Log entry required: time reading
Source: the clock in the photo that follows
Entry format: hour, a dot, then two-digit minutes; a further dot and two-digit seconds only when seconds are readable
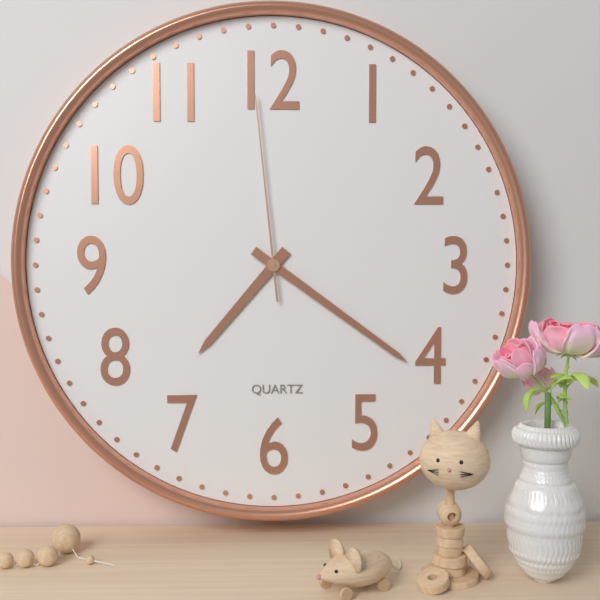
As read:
7.21.59
